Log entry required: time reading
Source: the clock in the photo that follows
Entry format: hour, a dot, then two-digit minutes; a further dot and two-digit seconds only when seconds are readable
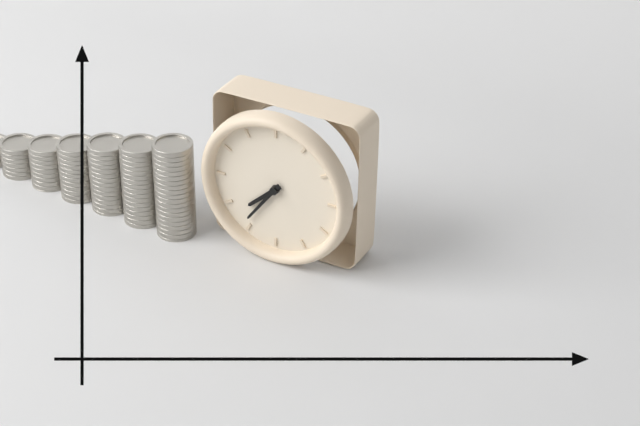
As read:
7.36
